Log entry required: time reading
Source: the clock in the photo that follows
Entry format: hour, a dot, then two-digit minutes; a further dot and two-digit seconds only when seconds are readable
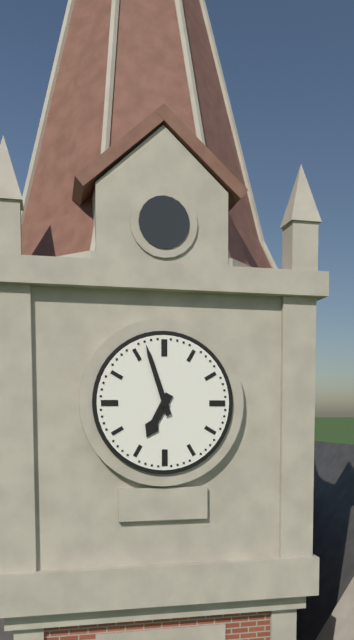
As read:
6.57
